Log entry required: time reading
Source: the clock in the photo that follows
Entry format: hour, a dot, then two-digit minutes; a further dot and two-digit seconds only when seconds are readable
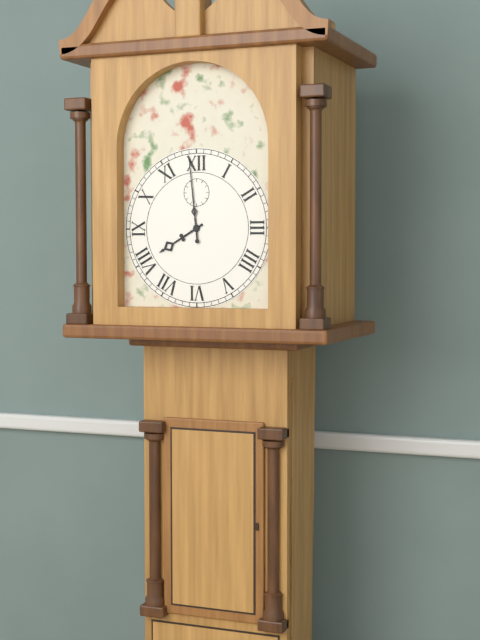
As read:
7.59
